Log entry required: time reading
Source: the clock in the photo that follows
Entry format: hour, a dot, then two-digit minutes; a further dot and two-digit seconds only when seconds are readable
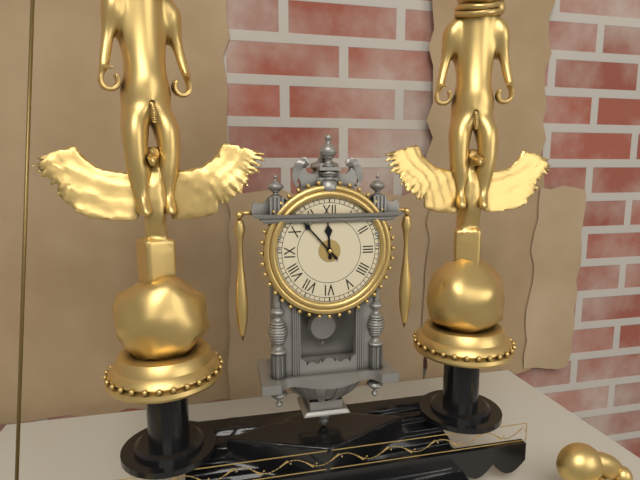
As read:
11.53
